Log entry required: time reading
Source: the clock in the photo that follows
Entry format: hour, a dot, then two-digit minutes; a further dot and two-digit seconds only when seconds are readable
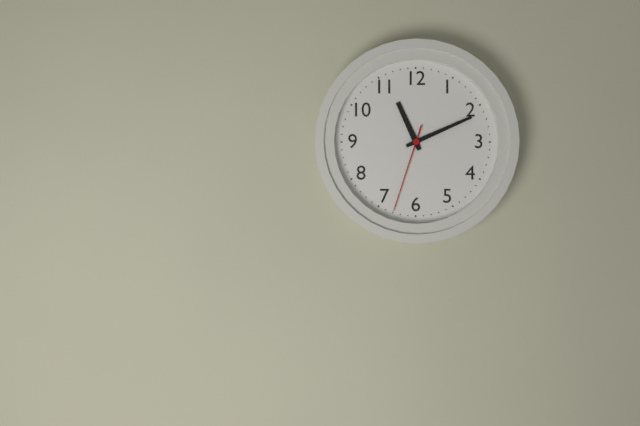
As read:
11.11.33
